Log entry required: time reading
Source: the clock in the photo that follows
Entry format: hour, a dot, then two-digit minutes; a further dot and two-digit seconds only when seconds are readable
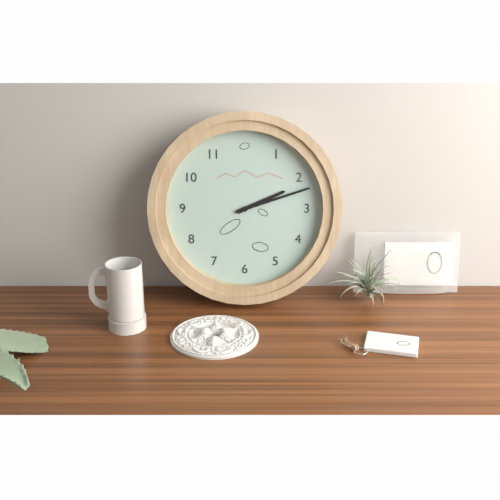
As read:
2.12
